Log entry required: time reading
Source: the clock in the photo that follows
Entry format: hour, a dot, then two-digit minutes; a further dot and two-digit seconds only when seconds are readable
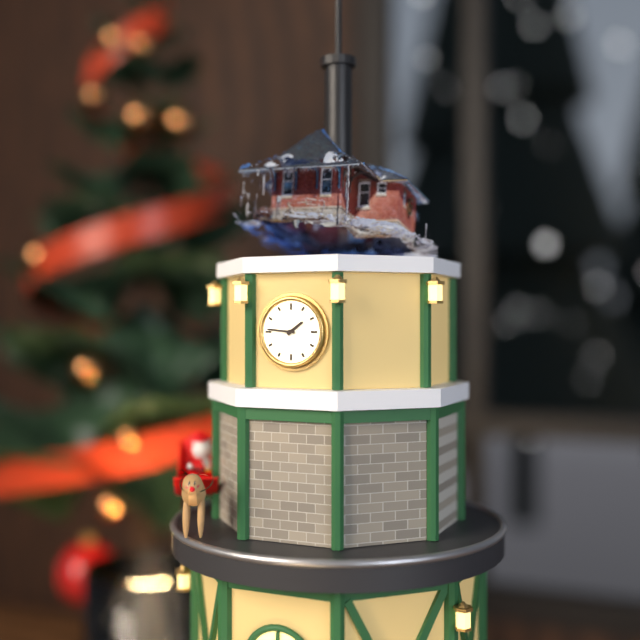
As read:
1.46
